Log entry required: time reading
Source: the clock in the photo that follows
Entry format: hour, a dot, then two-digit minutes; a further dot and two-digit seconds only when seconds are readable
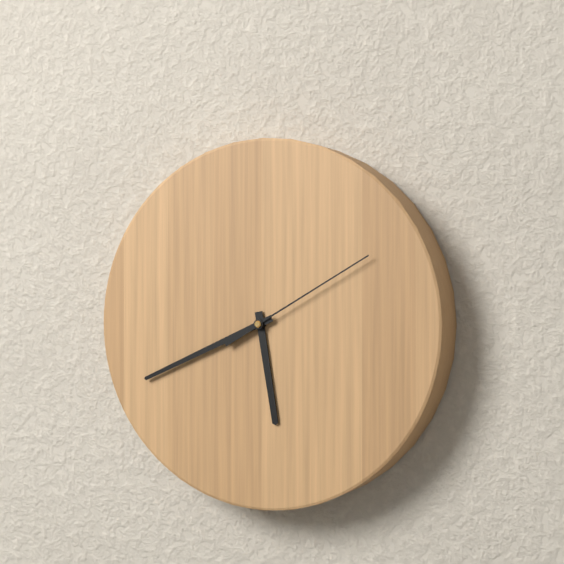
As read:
5.41.10
